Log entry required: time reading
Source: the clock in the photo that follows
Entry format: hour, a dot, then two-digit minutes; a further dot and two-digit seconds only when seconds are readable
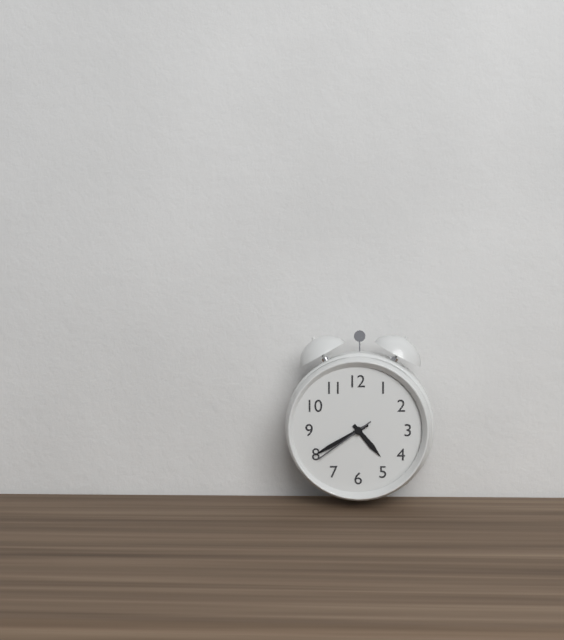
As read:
4.40.39
